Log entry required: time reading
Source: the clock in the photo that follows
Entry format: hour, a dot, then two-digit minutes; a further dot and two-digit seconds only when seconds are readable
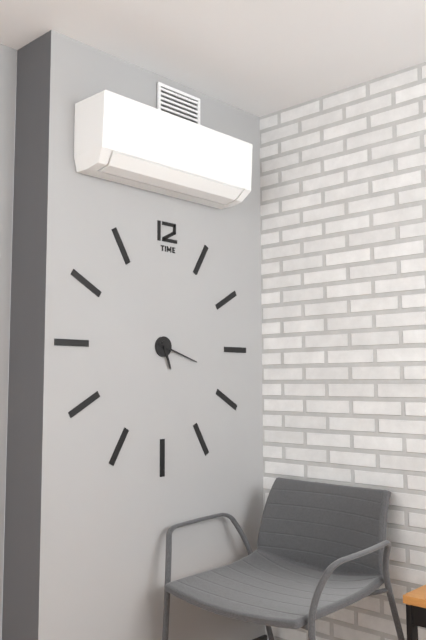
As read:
5.18
